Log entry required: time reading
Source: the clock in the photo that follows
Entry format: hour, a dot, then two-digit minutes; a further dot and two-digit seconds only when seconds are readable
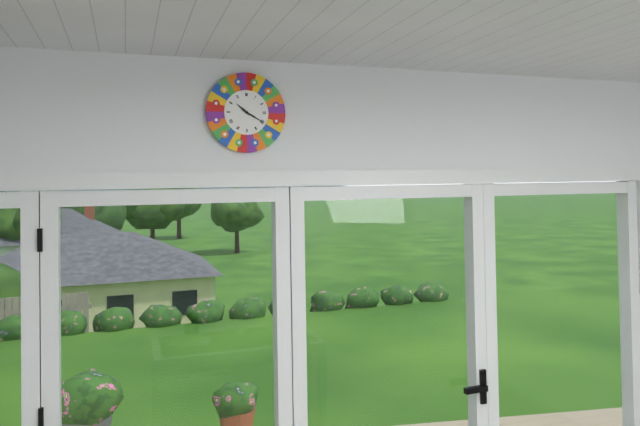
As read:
10.20
